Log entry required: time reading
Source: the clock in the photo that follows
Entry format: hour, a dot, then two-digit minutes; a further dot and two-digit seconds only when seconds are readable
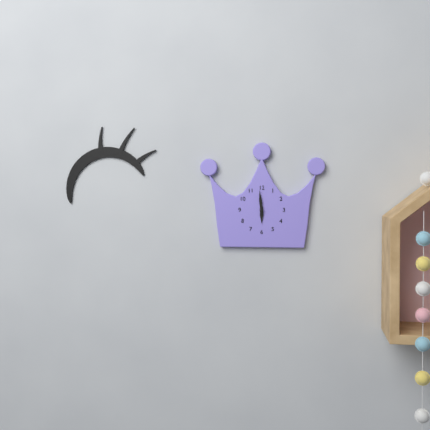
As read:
5.59
